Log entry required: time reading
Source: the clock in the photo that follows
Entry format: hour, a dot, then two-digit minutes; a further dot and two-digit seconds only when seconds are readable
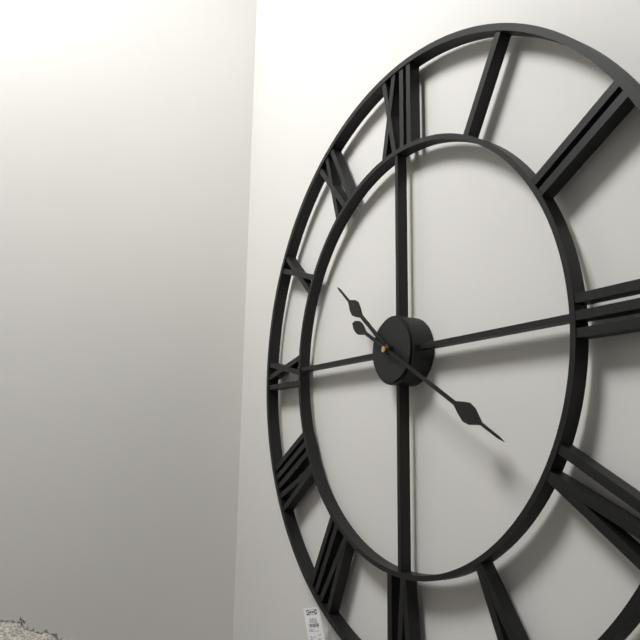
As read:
10.20
